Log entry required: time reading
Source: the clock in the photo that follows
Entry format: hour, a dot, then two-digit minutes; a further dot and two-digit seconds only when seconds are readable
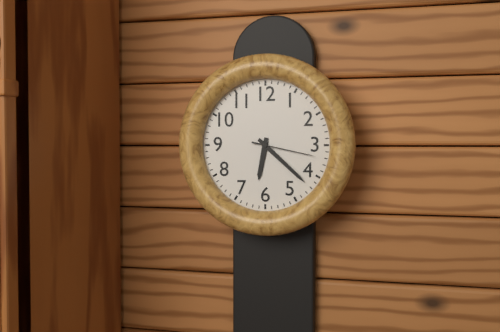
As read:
6.22.17
